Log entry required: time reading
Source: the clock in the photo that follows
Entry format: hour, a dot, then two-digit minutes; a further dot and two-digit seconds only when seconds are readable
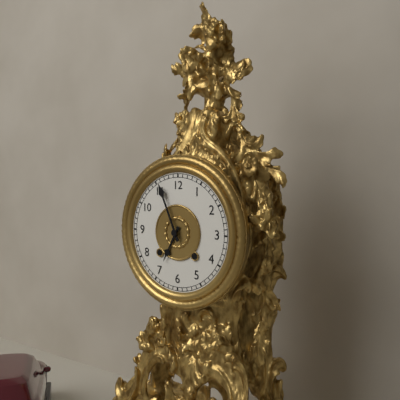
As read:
6.56
